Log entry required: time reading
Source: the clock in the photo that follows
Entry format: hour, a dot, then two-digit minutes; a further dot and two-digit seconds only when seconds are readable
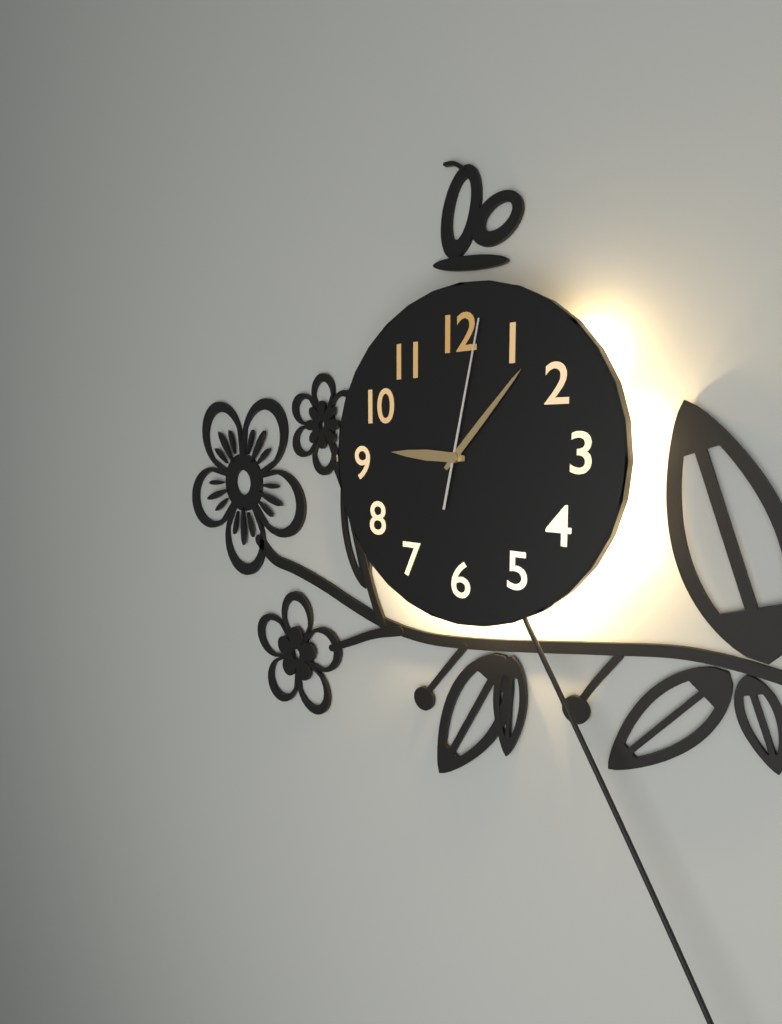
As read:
9.07.02
